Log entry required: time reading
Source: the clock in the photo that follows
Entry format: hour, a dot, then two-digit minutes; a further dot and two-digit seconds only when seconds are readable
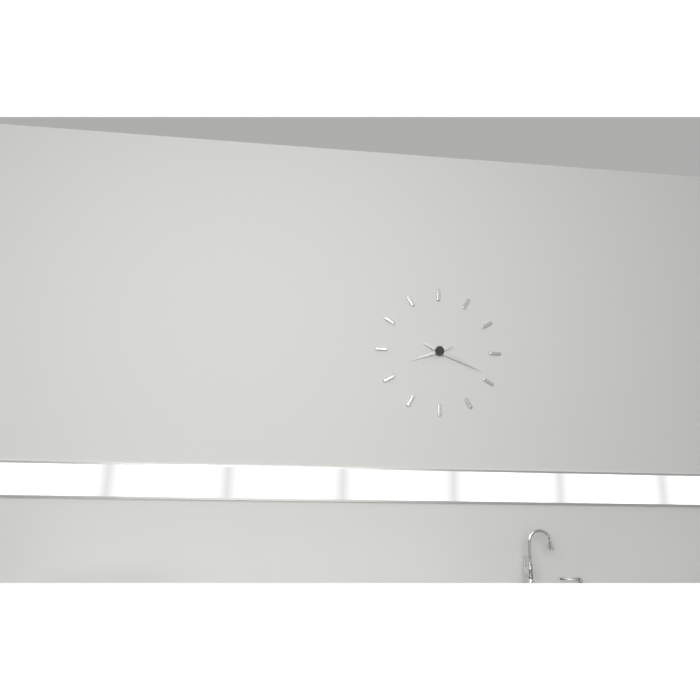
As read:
8.19
